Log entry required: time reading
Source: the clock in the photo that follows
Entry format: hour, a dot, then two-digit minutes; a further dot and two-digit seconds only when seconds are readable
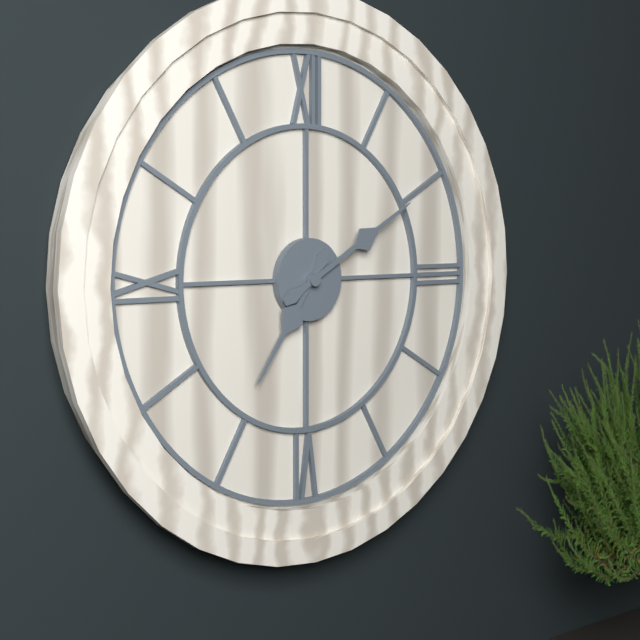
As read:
7.10
